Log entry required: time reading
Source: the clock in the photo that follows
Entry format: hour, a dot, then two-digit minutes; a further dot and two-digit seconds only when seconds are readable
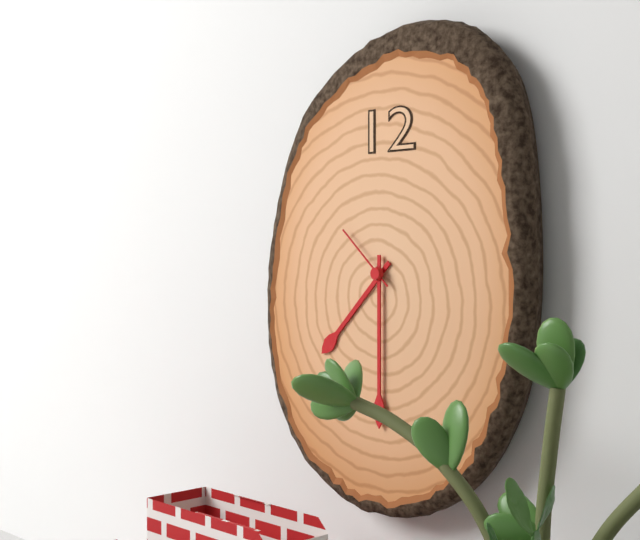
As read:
7.30.52
